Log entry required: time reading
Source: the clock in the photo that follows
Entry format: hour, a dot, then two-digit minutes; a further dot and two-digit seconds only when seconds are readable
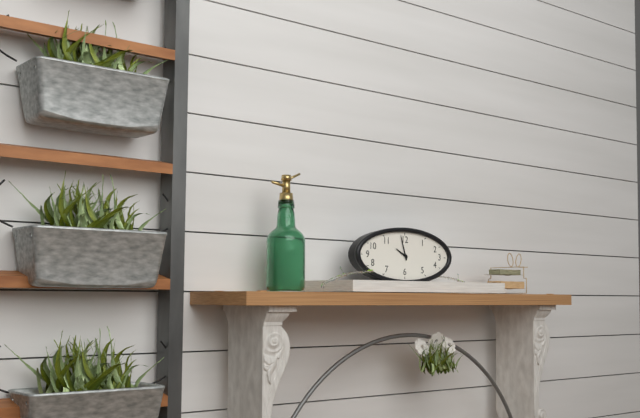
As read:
9.57
